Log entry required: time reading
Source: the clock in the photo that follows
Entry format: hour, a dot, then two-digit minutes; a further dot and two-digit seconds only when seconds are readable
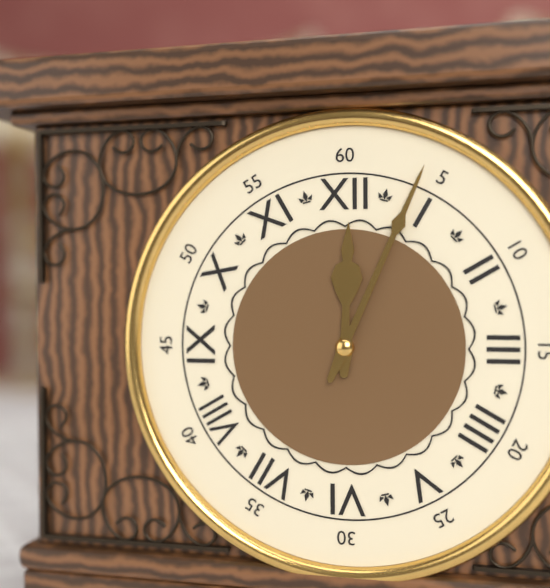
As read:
12.04
